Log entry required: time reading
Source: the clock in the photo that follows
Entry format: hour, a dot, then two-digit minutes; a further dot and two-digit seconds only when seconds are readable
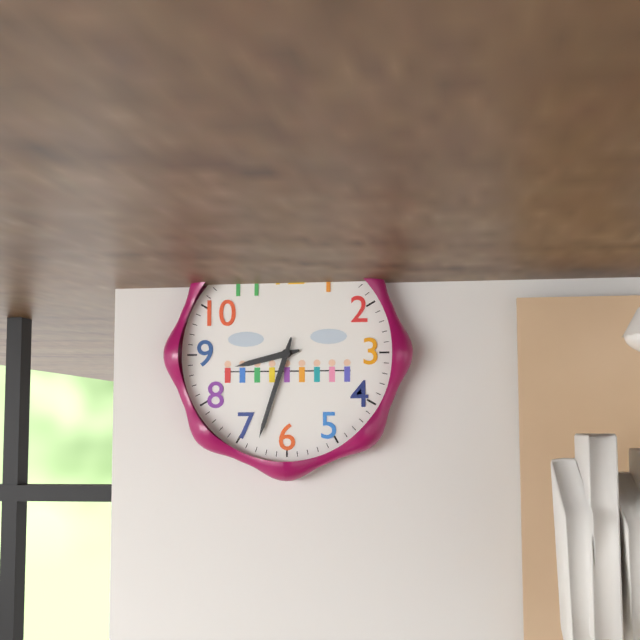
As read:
8.33
